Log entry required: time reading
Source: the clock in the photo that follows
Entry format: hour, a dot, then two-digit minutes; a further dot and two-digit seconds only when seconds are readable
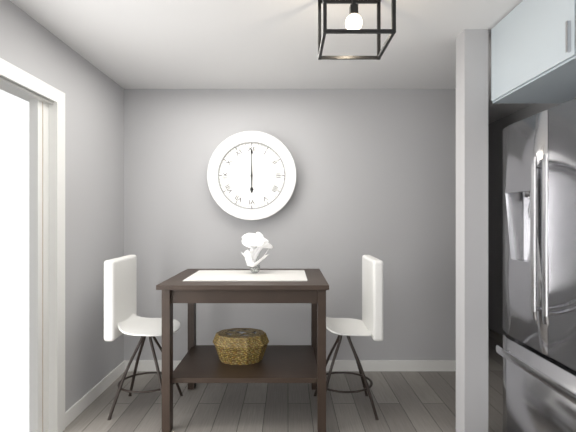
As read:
6.00
